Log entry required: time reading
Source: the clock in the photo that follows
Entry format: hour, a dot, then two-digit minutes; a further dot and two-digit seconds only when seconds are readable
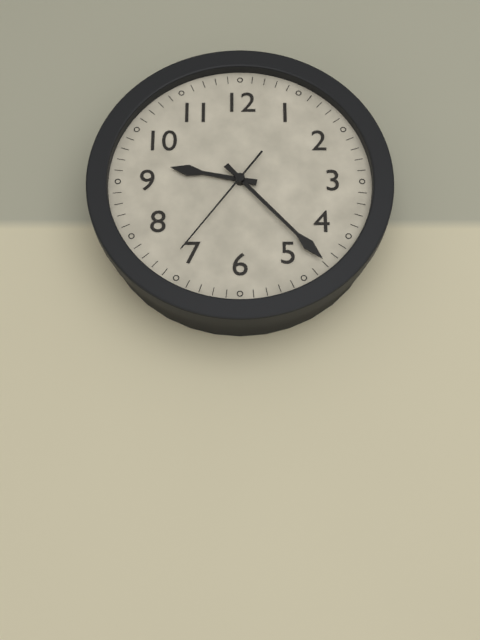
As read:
9.23.36
